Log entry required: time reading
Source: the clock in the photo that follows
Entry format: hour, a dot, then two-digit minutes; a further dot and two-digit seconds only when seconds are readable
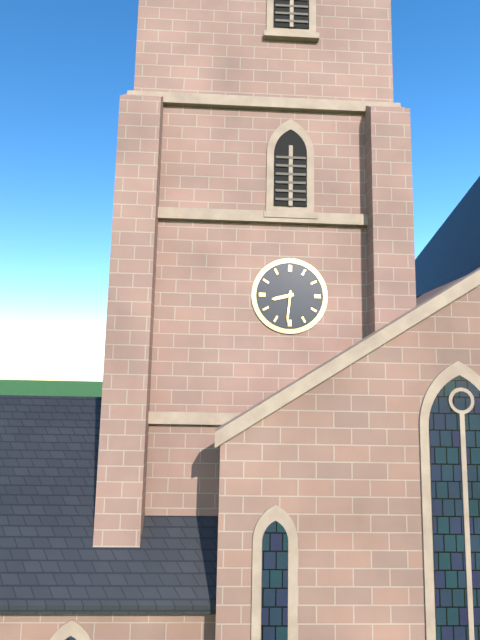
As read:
8.31
